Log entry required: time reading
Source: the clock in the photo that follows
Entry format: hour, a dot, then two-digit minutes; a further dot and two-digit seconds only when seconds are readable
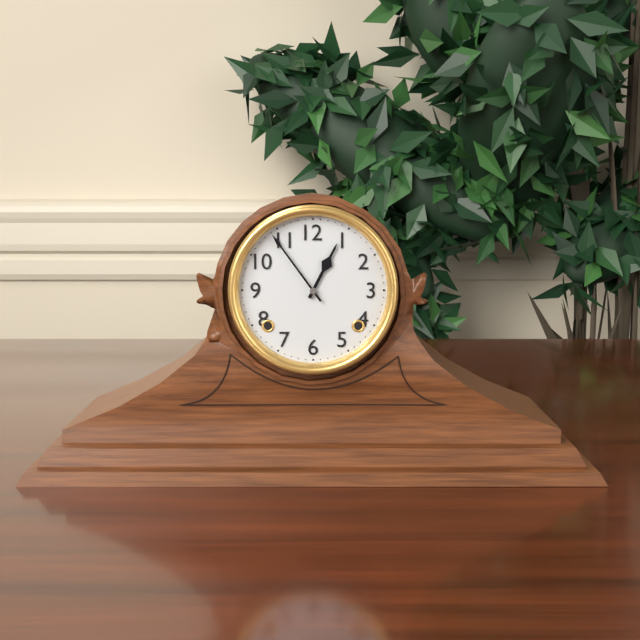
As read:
12.54
